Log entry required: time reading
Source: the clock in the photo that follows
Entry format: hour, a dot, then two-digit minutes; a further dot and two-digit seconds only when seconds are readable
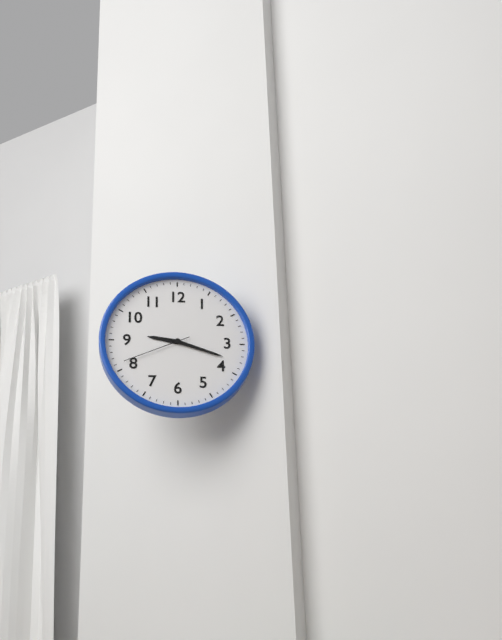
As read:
9.18.41
